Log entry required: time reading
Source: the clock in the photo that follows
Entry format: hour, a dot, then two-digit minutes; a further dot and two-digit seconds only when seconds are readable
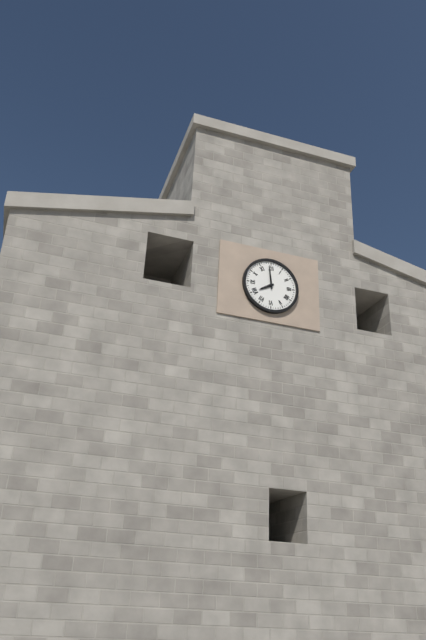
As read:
7.59
